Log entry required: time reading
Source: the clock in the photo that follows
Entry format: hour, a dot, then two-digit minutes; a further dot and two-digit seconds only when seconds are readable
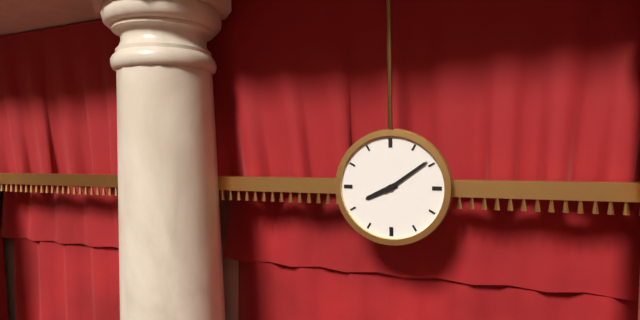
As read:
8.09
